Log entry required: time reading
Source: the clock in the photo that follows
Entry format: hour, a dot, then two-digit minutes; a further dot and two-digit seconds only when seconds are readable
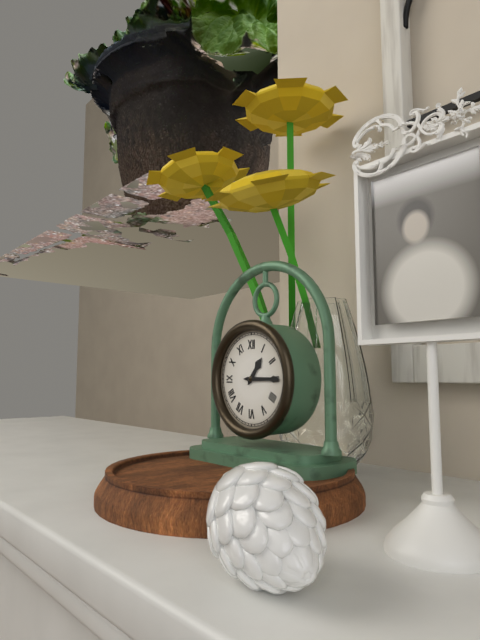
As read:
1.15
